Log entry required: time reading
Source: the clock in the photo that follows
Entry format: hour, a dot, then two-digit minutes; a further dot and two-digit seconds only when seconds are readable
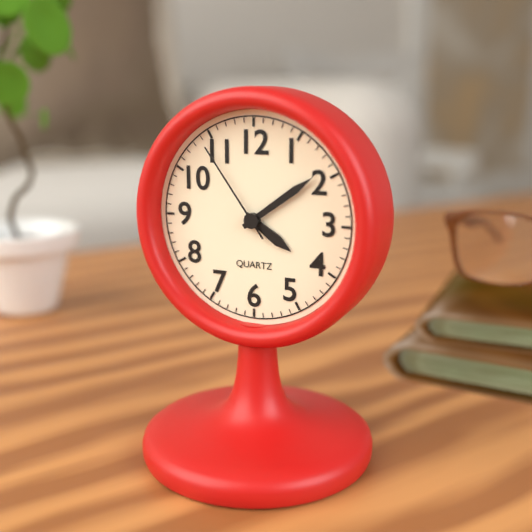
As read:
4.09.54
